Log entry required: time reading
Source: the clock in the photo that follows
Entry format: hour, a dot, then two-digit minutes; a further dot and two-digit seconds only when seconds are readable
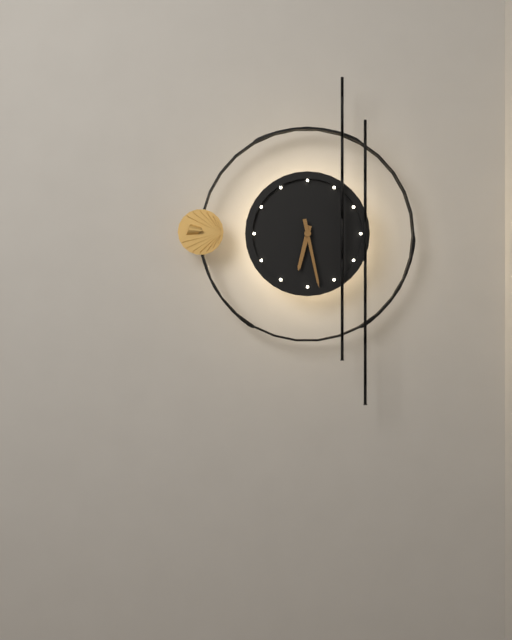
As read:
6.28
